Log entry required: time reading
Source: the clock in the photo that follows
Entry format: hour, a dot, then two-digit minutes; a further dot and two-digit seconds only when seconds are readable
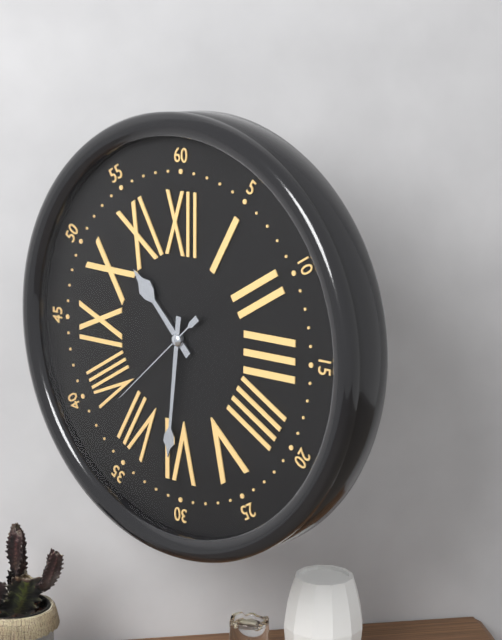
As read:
10.31.38
